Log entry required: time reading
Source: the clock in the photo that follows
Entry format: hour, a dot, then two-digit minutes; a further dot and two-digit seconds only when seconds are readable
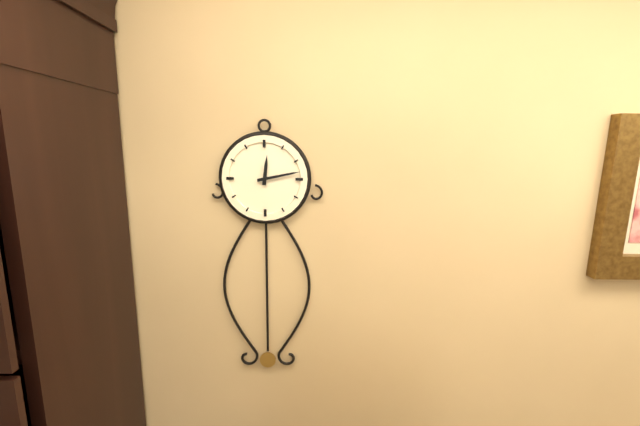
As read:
12.13
